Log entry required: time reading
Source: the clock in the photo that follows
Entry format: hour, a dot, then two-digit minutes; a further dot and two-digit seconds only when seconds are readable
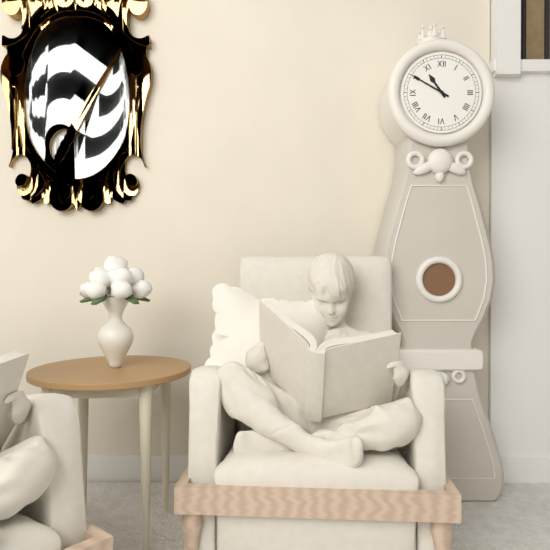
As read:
10.50
